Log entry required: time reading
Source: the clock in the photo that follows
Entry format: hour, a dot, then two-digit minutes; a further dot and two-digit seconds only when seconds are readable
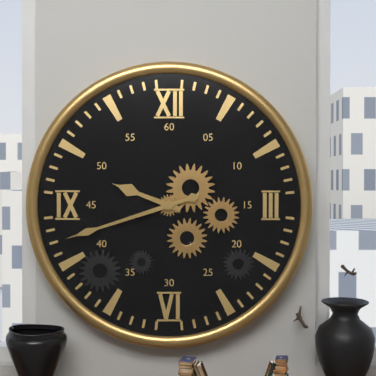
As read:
9.42
